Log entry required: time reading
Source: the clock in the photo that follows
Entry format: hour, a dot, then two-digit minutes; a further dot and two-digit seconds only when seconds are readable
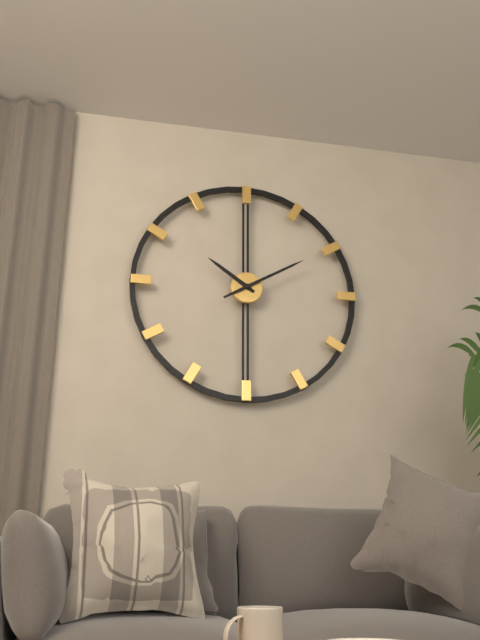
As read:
10.10
